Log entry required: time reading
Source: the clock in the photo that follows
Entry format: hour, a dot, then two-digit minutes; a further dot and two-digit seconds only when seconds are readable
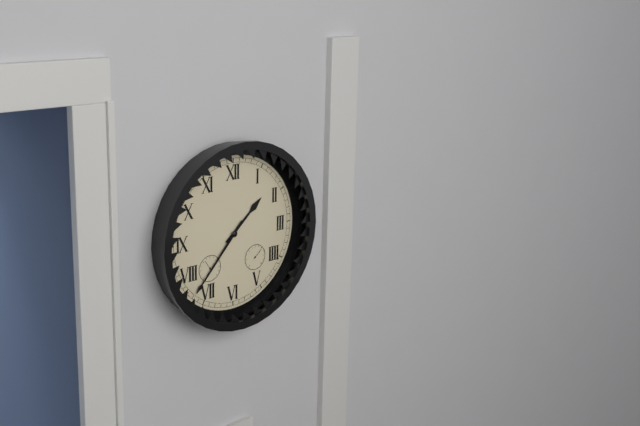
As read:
1.37
